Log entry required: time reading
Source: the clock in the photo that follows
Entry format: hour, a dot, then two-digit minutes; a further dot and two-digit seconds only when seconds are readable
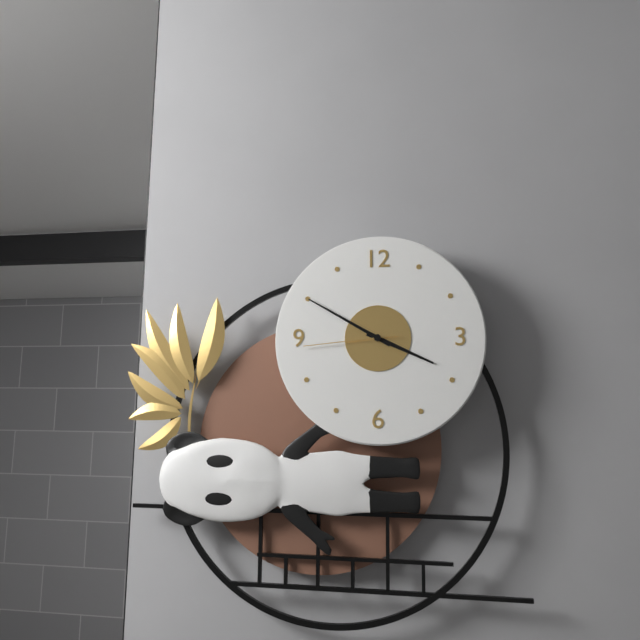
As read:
3.50.44
